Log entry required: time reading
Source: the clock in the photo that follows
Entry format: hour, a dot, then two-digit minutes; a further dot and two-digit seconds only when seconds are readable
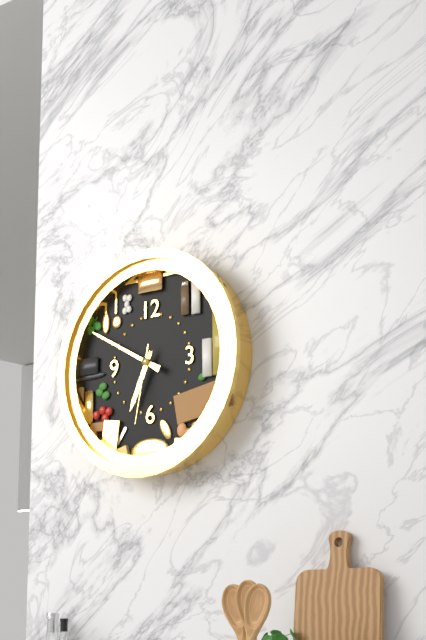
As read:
6.50.32
